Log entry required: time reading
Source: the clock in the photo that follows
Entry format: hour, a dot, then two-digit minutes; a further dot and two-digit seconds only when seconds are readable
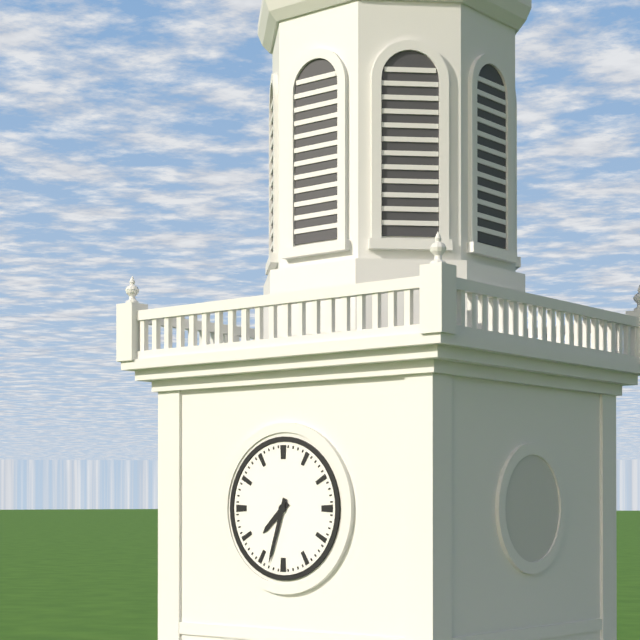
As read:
7.33
